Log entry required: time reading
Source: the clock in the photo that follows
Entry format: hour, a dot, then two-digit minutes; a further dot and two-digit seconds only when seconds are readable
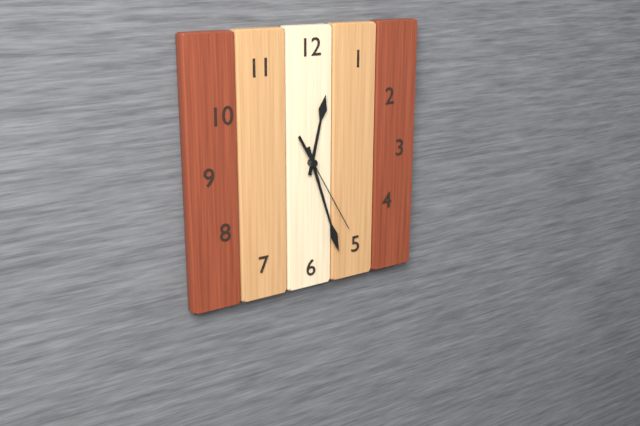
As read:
12.27.25
